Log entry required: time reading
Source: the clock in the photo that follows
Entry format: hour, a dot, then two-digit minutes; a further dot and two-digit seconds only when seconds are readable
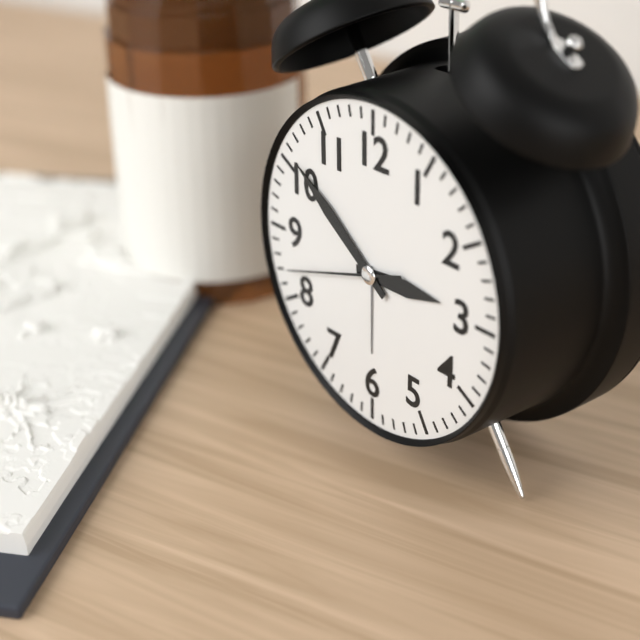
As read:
2.51.42
